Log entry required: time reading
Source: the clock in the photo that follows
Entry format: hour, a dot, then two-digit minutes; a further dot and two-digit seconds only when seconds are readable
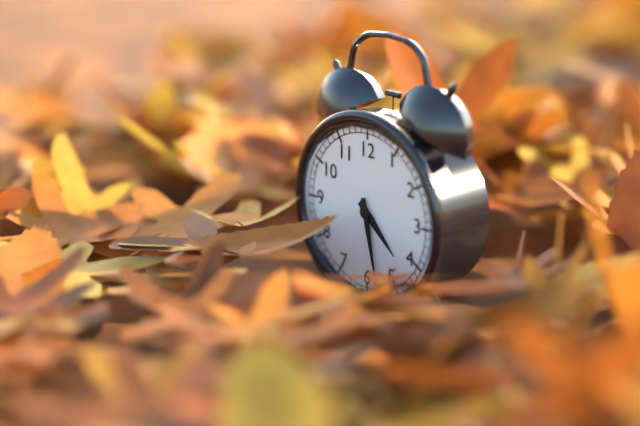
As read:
4.28
